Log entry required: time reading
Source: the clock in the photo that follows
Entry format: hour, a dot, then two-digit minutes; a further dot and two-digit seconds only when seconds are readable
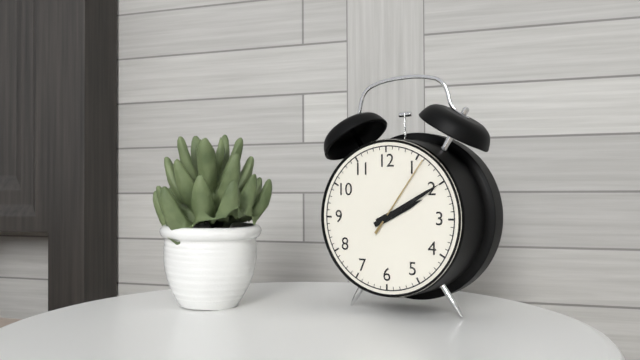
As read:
2.10.06
